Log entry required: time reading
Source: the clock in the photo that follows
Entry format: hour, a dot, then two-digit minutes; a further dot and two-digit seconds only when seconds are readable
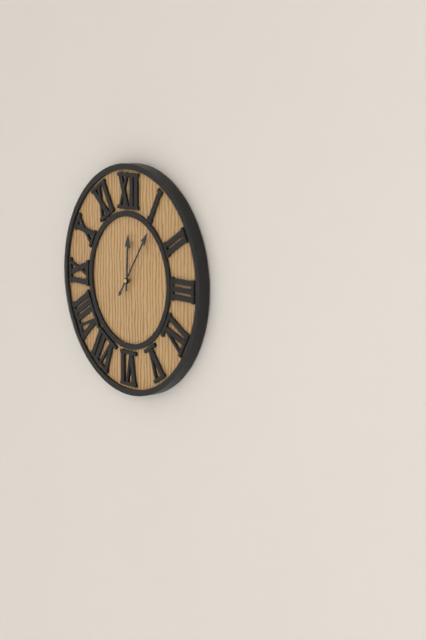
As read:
12.06
